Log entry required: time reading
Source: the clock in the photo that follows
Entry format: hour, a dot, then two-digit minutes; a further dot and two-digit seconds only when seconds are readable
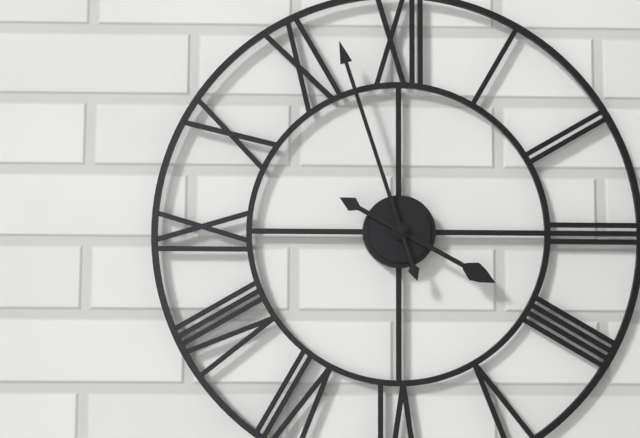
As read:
3.57
